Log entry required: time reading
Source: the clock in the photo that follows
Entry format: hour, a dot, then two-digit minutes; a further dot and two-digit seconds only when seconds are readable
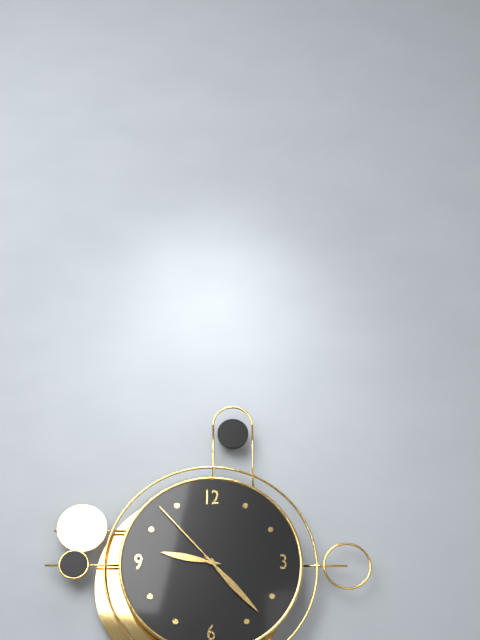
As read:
9.23.53
